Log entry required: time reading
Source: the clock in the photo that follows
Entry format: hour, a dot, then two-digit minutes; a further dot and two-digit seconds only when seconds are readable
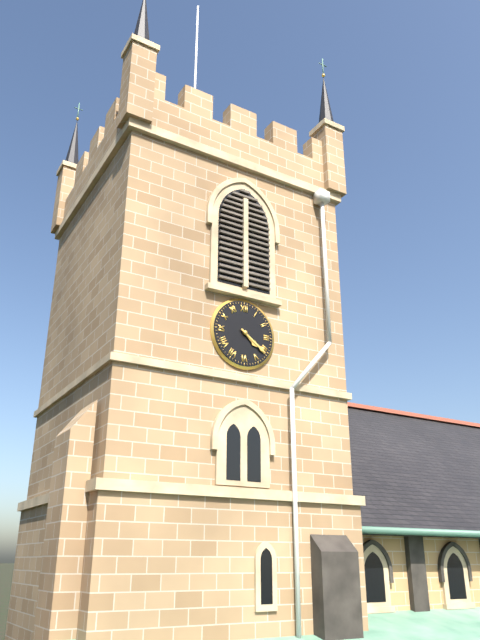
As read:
4.21
